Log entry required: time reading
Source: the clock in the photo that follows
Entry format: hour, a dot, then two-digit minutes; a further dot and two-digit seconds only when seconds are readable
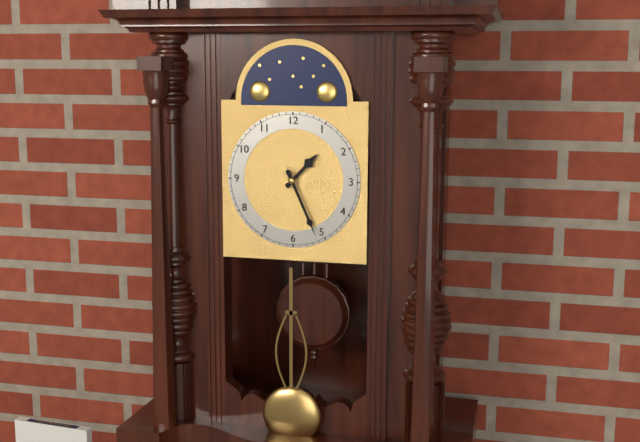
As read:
1.26
